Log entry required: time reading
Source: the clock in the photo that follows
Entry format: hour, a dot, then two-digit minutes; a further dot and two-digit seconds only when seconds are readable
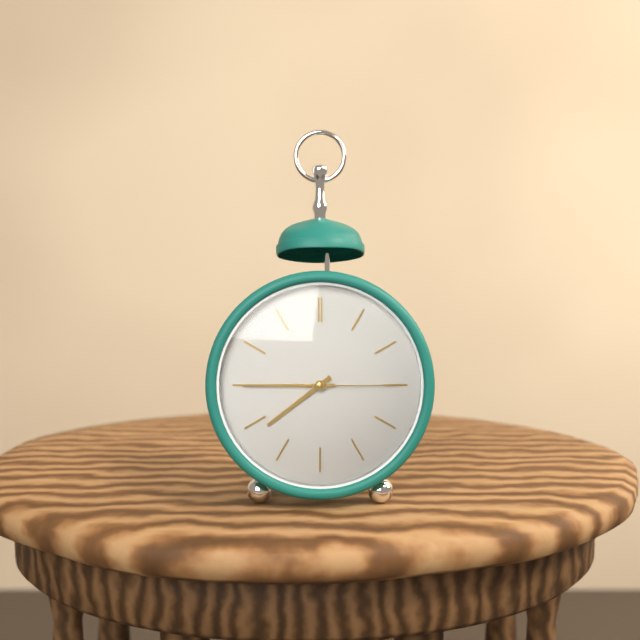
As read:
7.45.15
